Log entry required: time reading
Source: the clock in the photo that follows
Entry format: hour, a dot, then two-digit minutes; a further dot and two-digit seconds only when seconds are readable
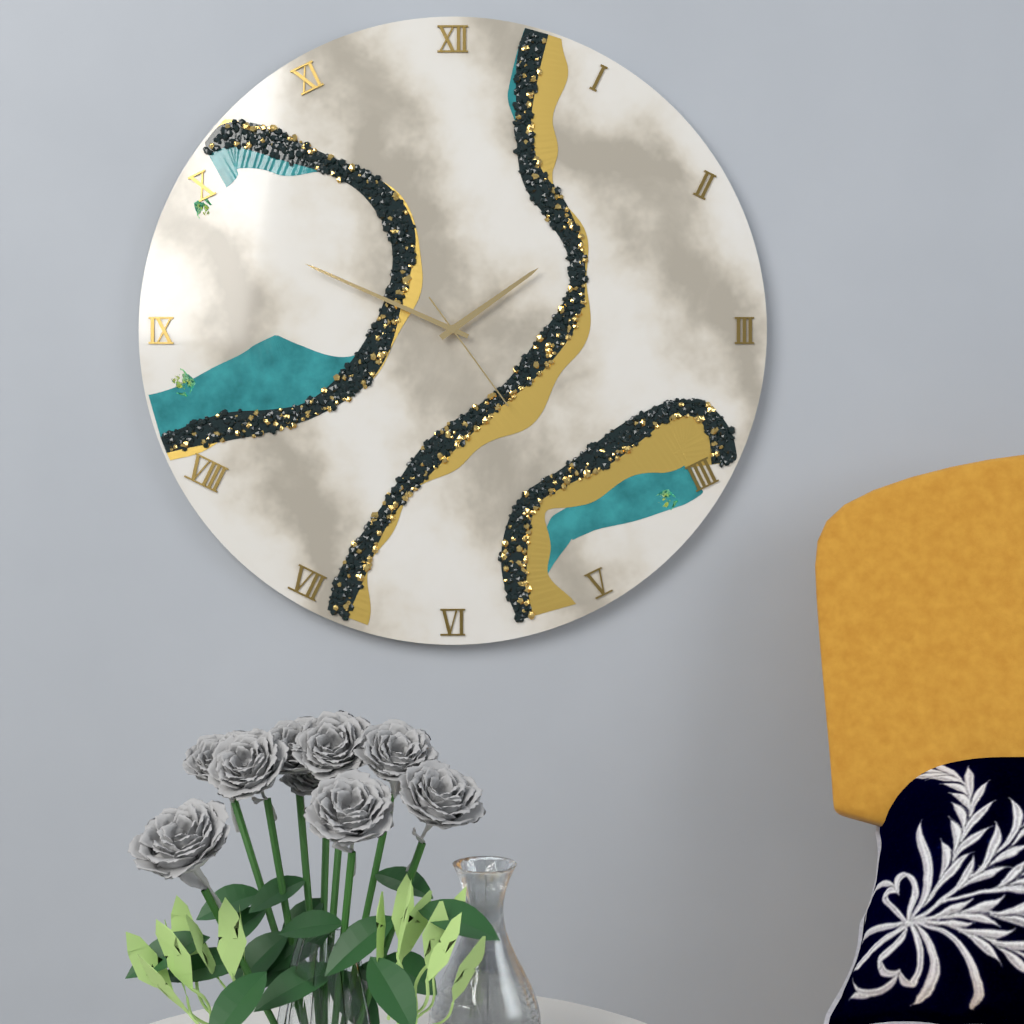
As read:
1.49.24
